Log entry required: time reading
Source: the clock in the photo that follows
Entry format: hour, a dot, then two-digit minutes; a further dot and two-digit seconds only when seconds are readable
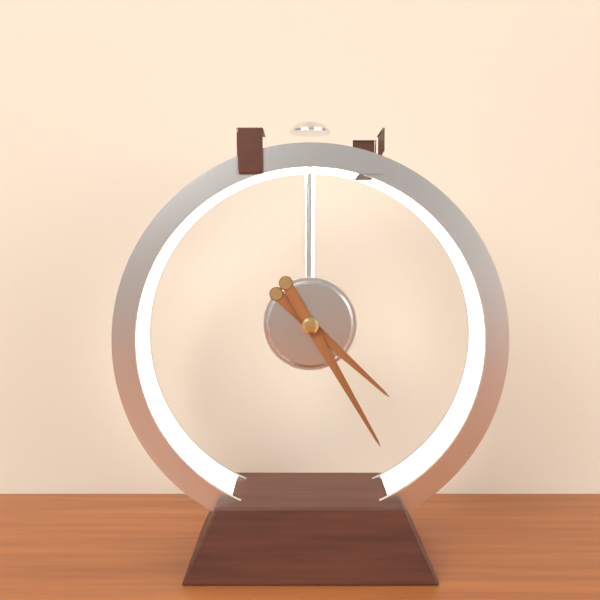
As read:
4.25
